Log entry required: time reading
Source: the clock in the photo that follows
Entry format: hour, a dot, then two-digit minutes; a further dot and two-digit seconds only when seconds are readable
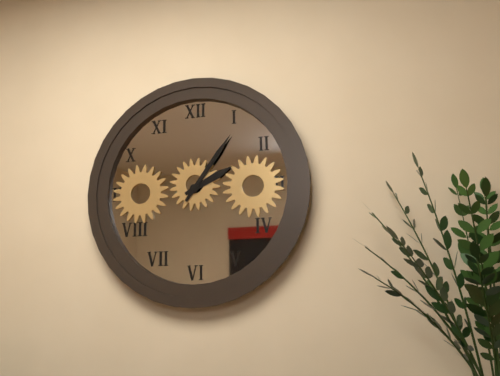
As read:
2.06
